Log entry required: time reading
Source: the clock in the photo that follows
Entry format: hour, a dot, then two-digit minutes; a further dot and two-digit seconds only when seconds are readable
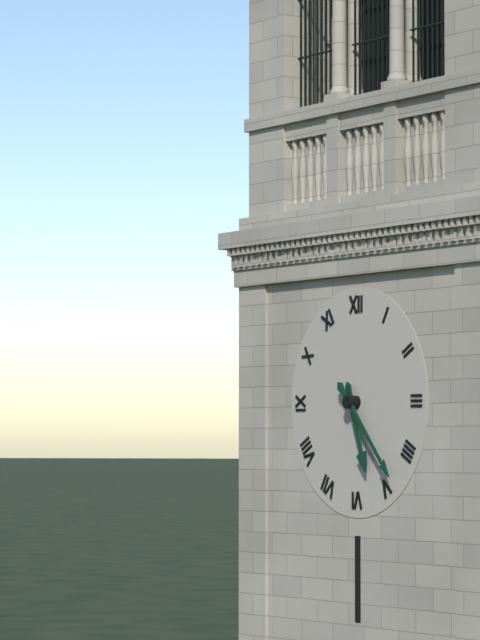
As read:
5.23
